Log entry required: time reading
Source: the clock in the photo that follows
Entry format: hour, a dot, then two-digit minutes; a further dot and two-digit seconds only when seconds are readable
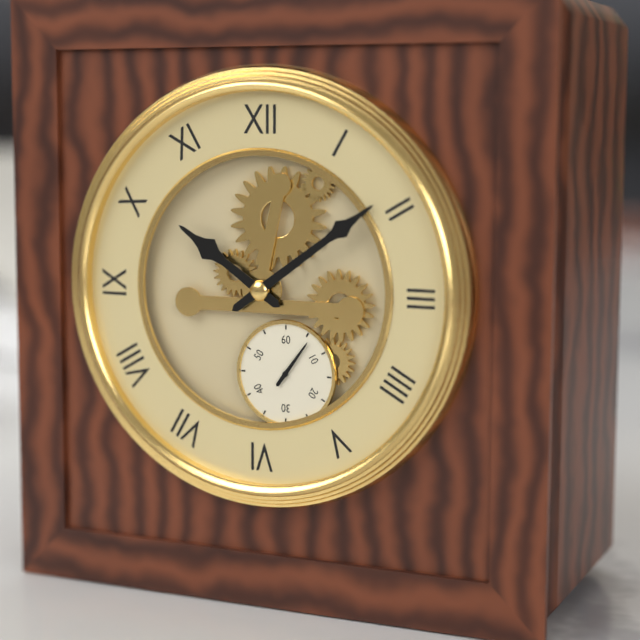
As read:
10.09
